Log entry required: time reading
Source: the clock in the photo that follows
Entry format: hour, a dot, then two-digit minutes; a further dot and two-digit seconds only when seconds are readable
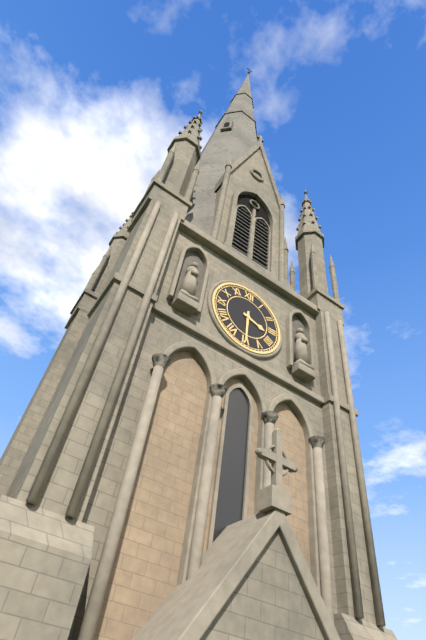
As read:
3.30
